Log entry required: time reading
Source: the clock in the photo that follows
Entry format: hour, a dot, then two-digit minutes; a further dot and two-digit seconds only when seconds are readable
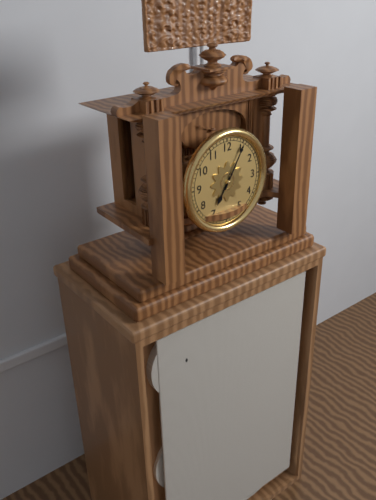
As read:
7.05
